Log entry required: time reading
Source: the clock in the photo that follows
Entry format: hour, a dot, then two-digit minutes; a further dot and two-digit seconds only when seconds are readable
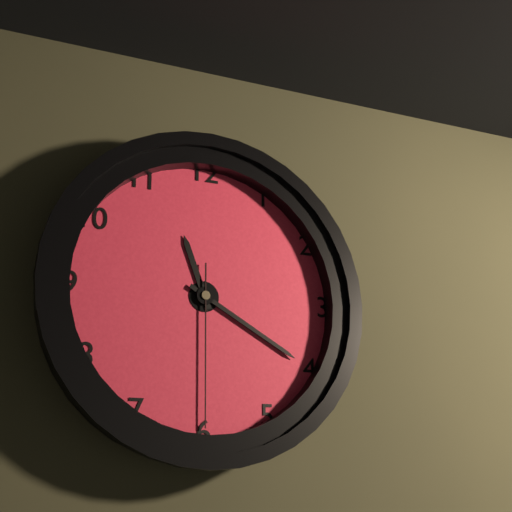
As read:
11.20.30
